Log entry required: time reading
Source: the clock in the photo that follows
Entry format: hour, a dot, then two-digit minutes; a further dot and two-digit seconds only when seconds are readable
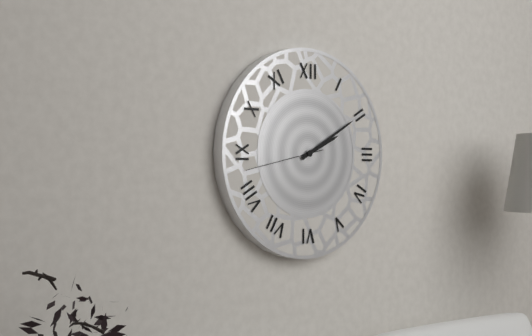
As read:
2.10.43
